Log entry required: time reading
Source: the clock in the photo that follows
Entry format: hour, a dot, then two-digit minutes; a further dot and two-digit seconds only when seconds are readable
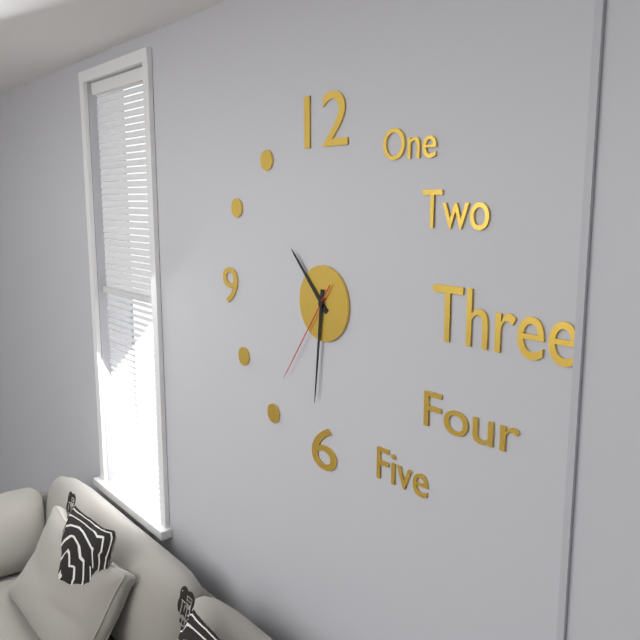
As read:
10.31.36
